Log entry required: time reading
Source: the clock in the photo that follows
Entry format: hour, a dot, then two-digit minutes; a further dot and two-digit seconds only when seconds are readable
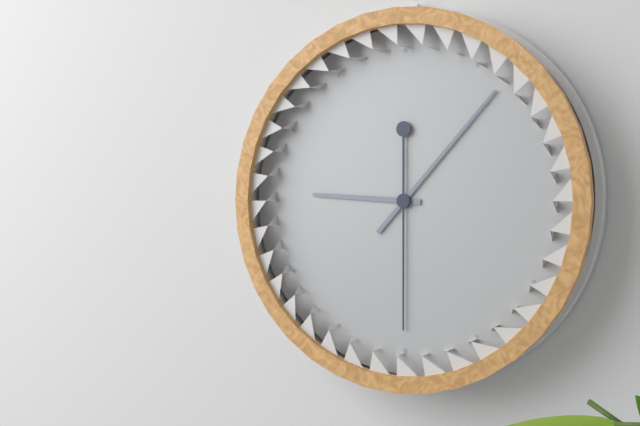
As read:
9.07.30
